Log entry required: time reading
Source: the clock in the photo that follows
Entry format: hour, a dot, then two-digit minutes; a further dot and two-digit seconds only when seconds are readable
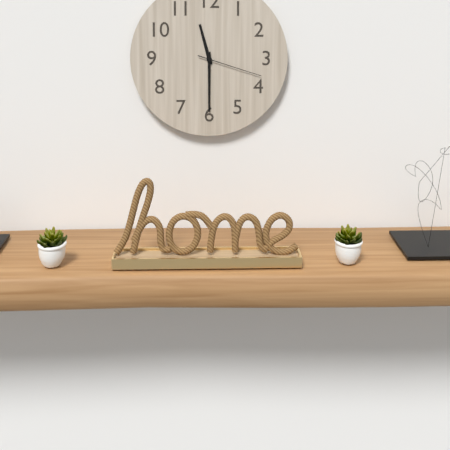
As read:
11.30.18
